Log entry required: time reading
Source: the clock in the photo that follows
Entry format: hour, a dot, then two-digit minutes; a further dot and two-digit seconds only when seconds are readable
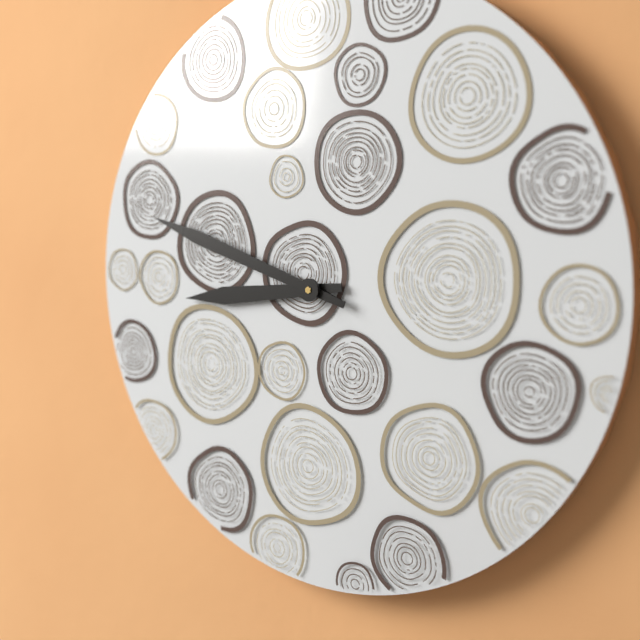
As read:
8.48
